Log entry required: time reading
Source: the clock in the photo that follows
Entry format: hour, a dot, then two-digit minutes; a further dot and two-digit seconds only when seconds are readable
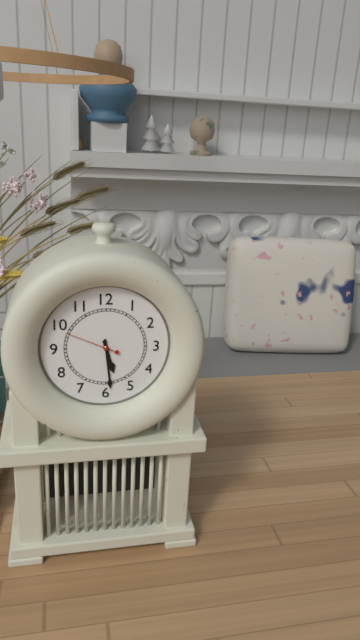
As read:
5.29.49
